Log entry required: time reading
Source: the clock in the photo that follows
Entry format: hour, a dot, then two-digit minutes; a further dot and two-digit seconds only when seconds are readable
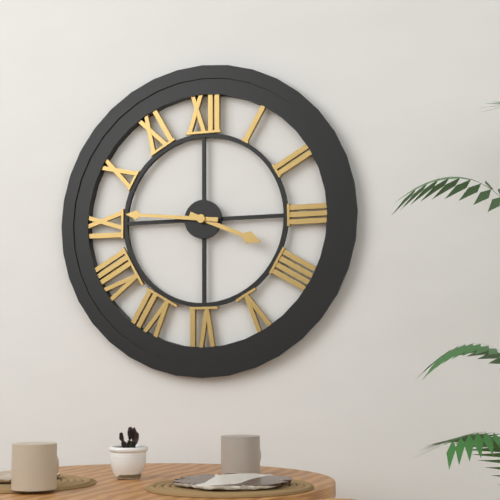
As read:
3.46
